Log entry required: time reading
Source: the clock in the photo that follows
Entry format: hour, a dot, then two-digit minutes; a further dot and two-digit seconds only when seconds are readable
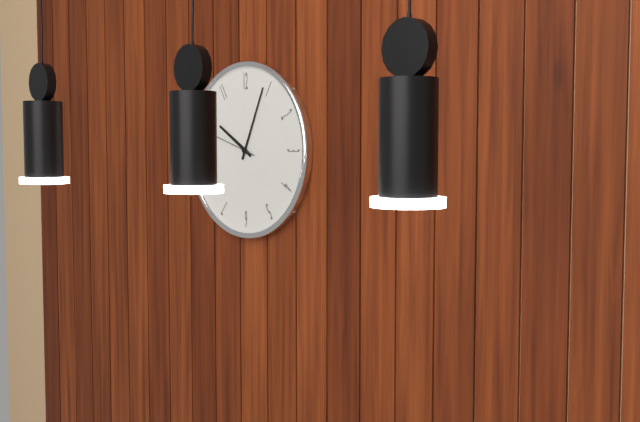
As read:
10.04
